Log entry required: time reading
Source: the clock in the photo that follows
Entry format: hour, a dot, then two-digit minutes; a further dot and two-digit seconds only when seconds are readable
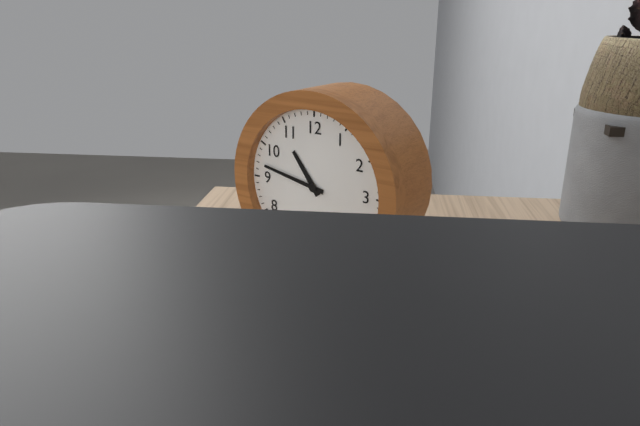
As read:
10.47
